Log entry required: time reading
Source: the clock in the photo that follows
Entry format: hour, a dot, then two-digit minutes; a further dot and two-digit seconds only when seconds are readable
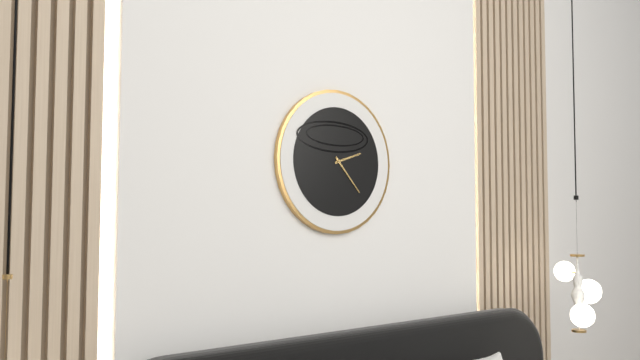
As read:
2.23
